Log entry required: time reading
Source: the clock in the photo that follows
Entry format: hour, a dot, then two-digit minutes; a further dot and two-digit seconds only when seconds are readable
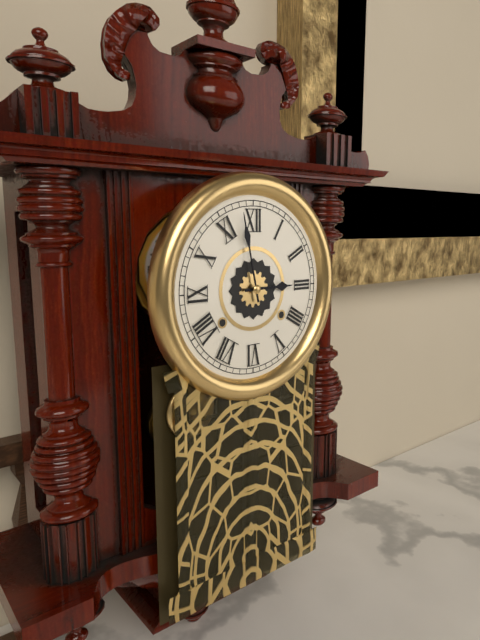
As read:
2.58
